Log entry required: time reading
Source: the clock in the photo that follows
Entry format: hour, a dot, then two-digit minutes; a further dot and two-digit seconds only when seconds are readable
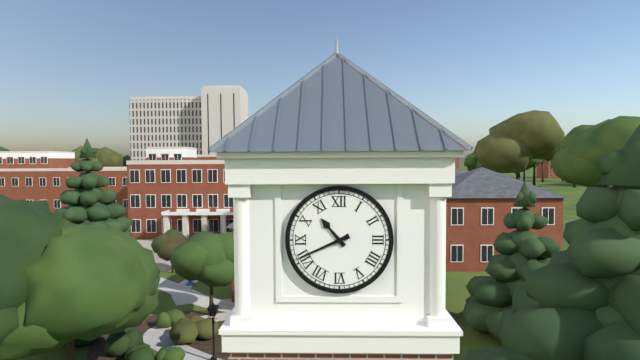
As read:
10.41
